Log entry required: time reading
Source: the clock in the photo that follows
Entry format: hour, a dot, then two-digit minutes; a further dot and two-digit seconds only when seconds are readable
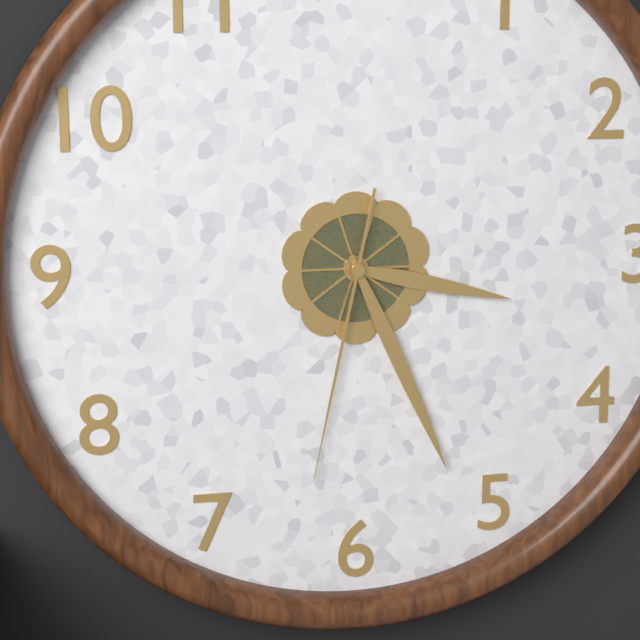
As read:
3.26.32
